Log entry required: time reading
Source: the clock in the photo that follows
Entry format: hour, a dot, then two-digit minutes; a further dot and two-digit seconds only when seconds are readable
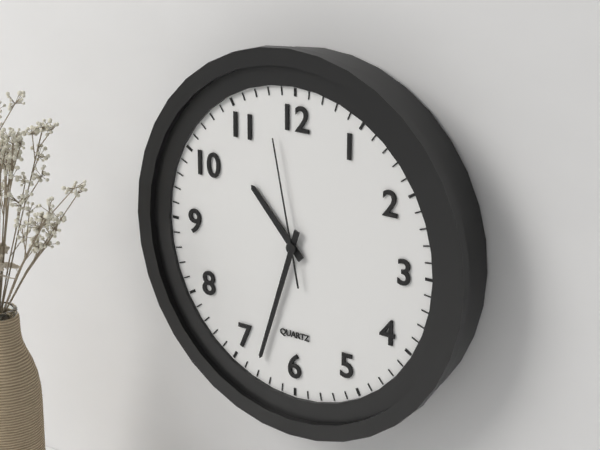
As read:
10.33.58
